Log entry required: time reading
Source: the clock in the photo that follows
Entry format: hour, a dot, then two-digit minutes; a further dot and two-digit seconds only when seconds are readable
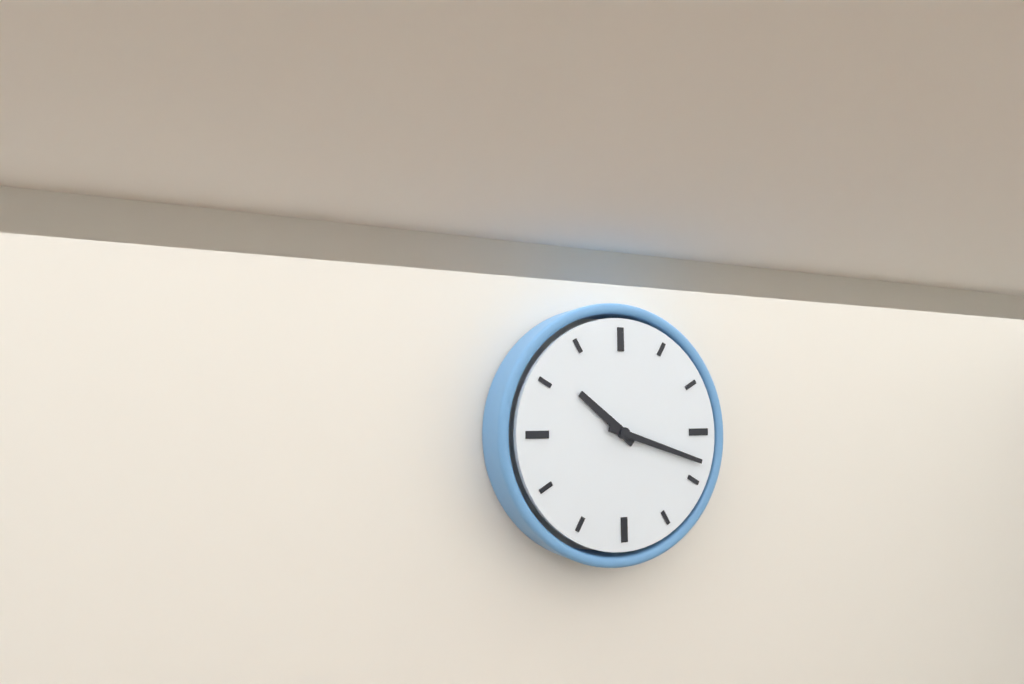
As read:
10.18
